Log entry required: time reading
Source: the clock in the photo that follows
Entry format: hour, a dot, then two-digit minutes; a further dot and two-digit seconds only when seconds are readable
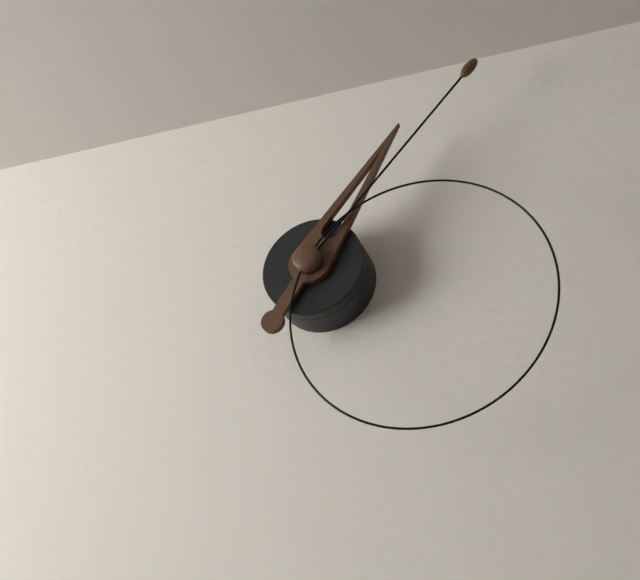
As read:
1.07.20
